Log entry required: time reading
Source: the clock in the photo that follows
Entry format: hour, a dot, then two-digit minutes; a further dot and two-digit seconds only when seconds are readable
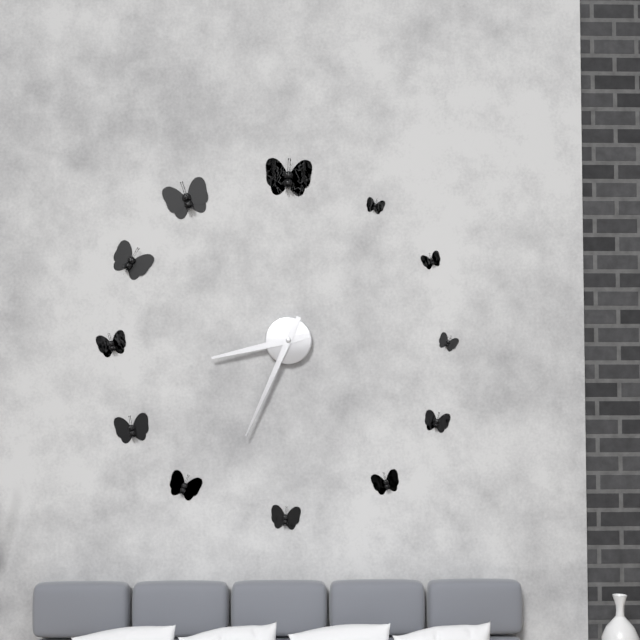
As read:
8.34
